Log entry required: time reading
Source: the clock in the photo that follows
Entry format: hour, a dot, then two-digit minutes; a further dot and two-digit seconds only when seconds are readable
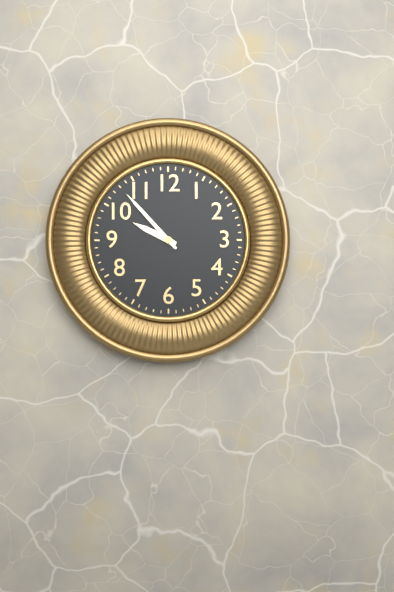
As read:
9.53
